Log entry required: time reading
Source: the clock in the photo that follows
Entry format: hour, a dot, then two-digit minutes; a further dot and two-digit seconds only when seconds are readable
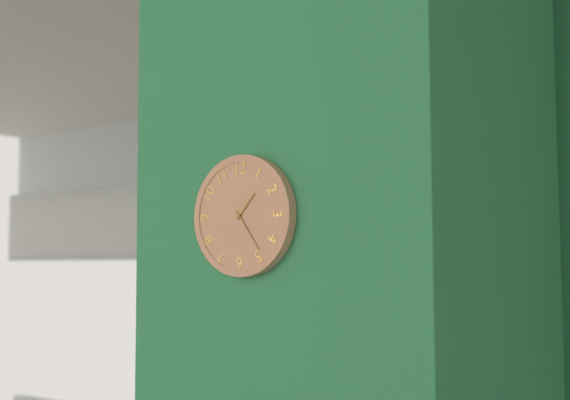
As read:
1.24
